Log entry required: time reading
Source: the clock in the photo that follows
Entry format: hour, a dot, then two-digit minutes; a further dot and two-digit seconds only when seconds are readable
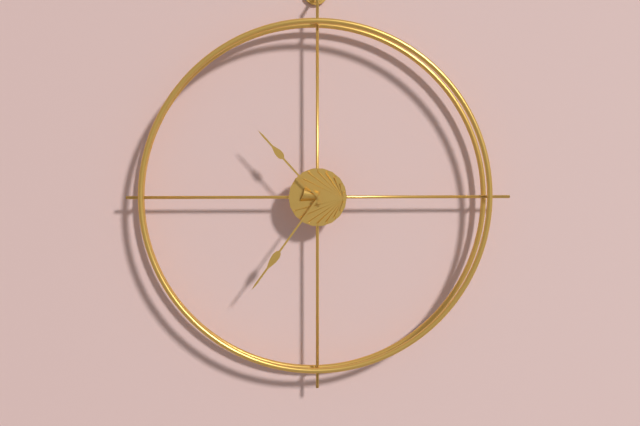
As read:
10.36
